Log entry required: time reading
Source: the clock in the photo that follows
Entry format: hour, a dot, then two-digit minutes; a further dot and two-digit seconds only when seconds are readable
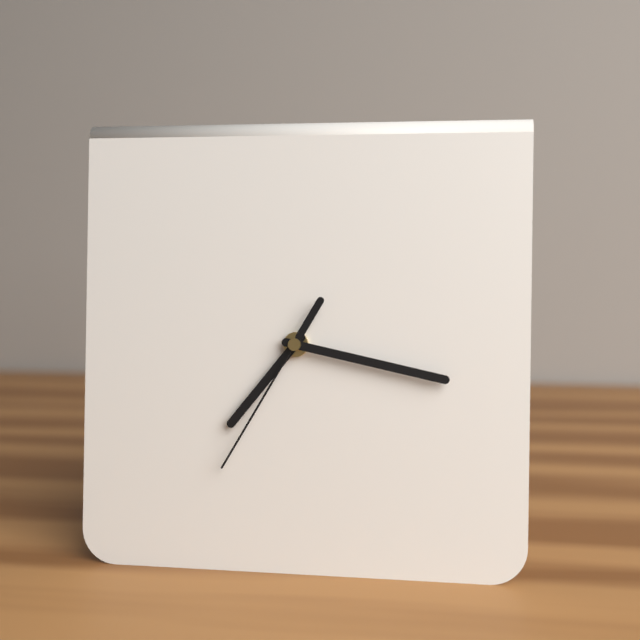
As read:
7.17.35
